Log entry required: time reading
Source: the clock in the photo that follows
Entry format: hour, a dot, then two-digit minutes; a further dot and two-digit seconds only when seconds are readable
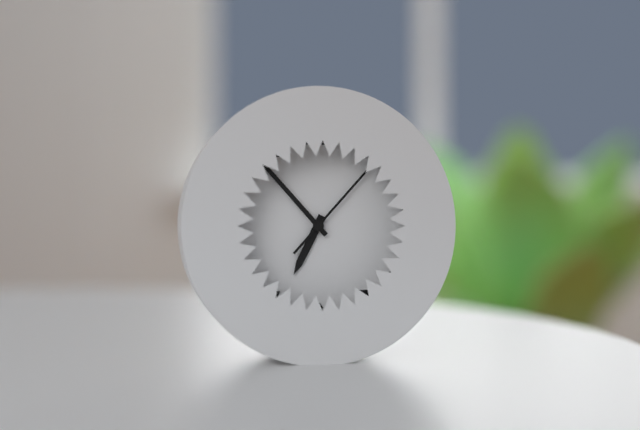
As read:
6.53.07
